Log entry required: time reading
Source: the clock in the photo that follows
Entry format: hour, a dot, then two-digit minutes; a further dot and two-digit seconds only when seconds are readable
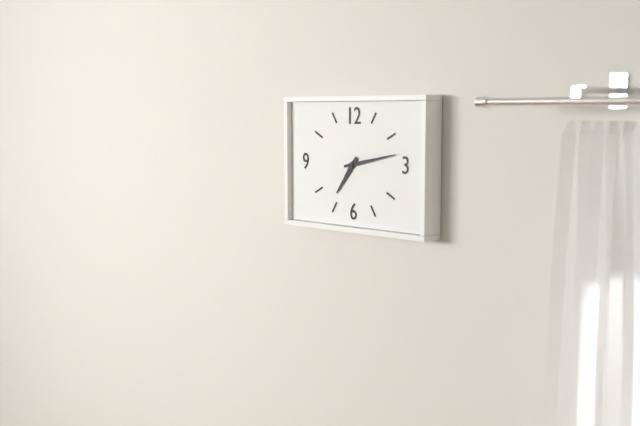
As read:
7.13
